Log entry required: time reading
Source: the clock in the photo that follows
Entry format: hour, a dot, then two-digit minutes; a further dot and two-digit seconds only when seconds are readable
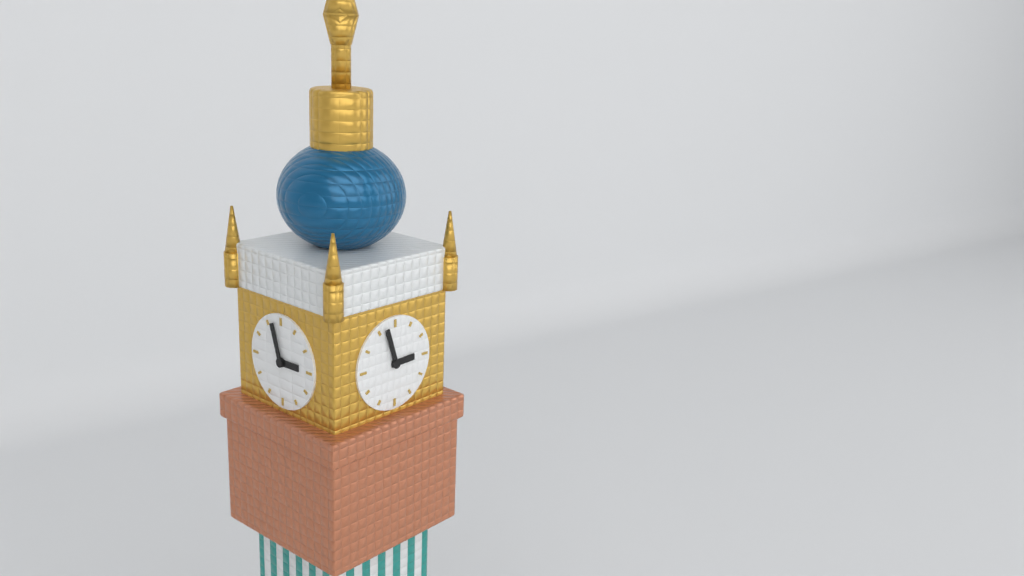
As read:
2.57
